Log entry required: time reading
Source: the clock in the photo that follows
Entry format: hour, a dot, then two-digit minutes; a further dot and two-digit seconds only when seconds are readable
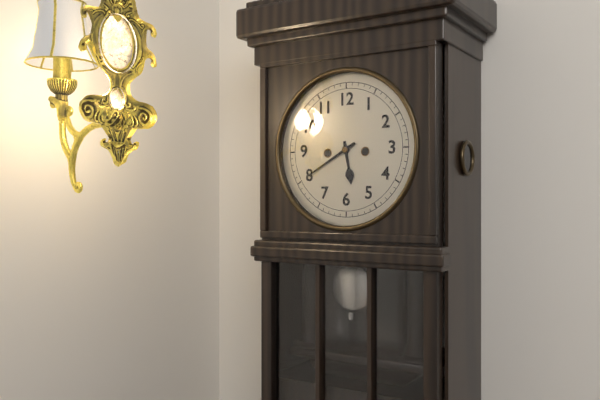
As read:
5.40
